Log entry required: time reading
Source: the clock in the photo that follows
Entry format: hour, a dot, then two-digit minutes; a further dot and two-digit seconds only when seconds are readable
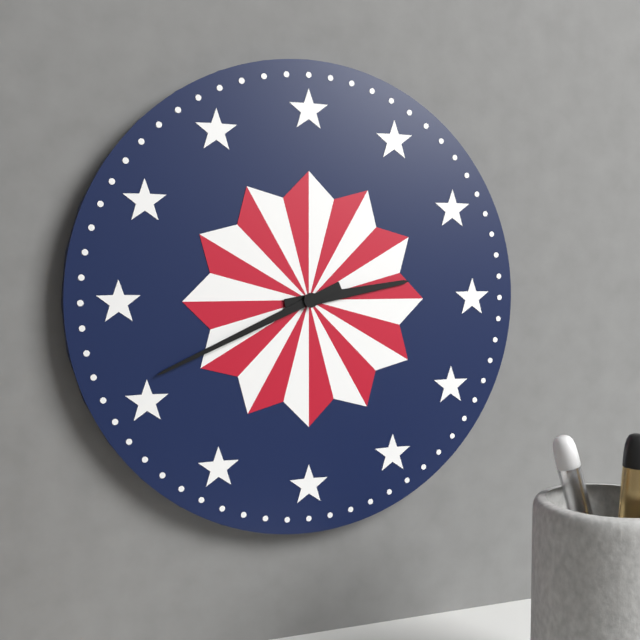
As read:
2.41
